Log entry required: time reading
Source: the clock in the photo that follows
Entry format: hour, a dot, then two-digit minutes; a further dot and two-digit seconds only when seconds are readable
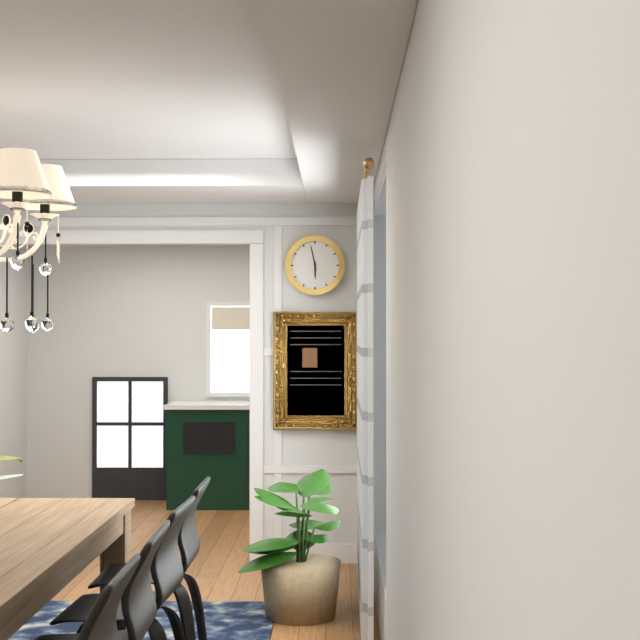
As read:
5.58
